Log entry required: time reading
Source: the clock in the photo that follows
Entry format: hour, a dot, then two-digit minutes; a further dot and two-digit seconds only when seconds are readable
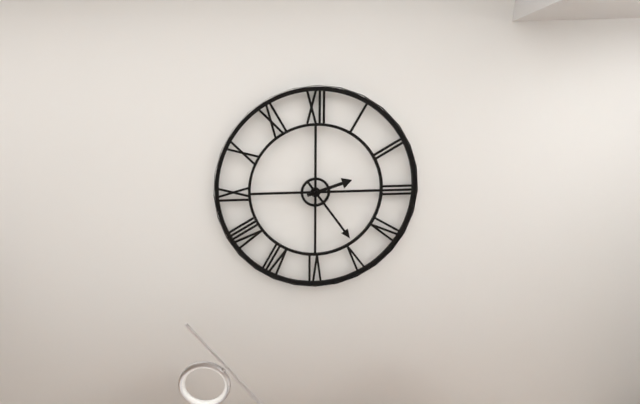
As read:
2.24
